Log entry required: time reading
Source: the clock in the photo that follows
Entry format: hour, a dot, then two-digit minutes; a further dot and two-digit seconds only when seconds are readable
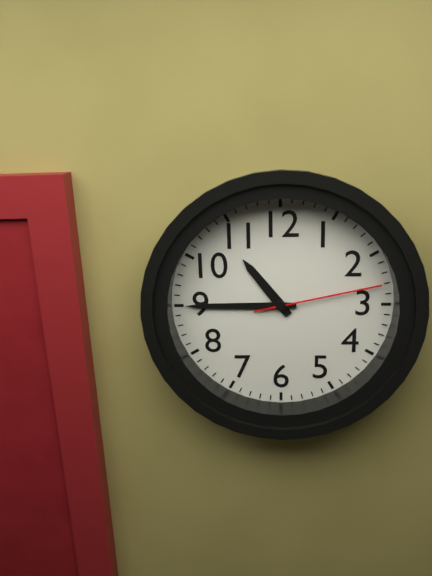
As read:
10.45.13
